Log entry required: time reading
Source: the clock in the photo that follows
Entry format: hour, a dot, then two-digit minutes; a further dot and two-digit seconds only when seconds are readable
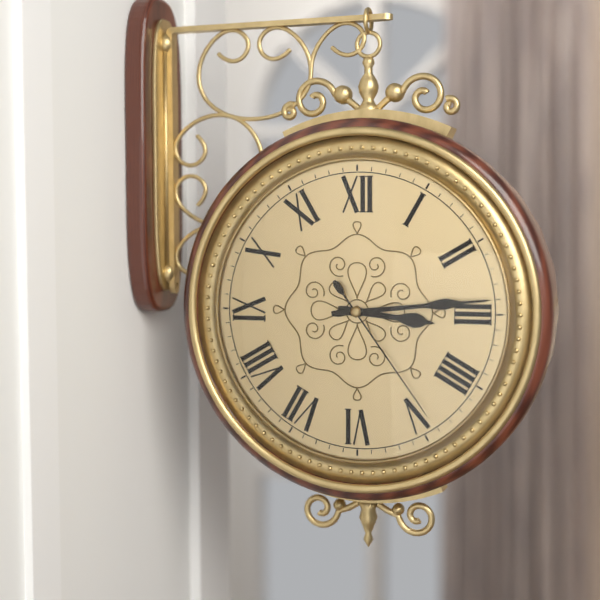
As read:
3.14.24
